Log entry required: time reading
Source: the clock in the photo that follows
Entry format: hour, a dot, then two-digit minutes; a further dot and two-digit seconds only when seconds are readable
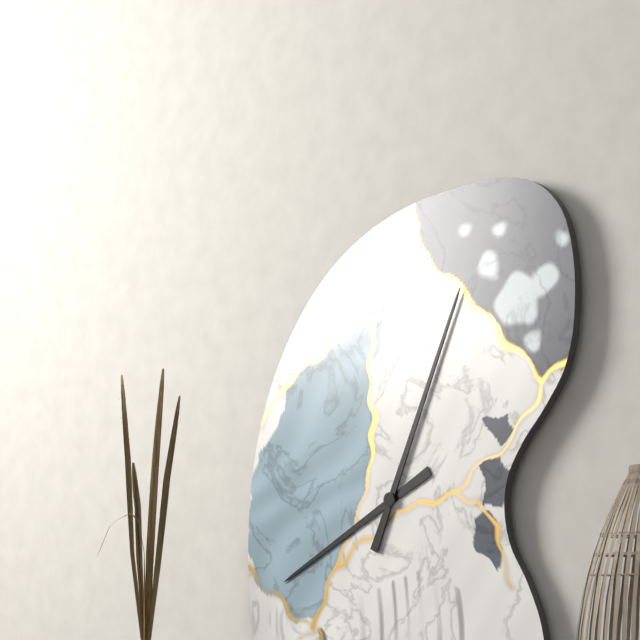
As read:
8.04
